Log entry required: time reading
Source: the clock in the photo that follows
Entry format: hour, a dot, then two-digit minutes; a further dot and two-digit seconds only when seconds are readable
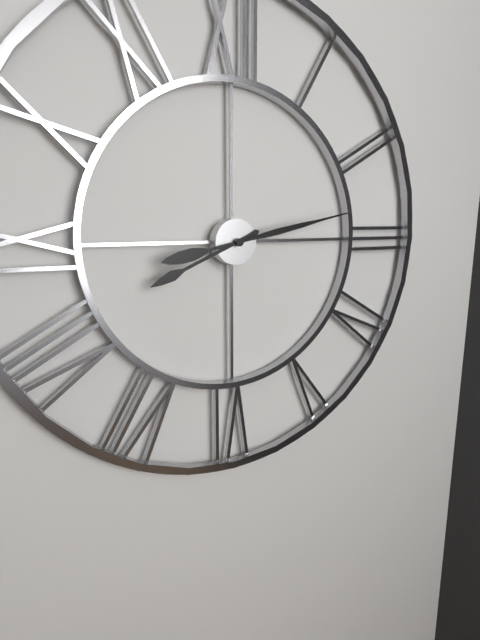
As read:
8.13
